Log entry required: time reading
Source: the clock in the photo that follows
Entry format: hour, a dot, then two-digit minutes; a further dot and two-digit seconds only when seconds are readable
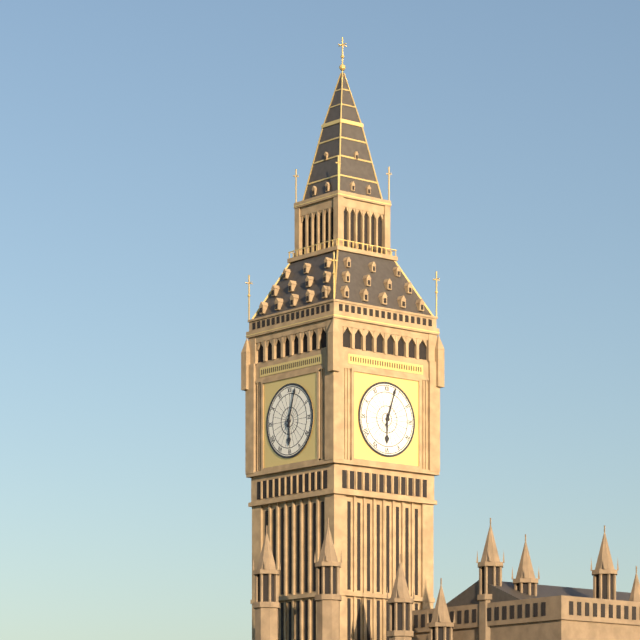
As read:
6.03
